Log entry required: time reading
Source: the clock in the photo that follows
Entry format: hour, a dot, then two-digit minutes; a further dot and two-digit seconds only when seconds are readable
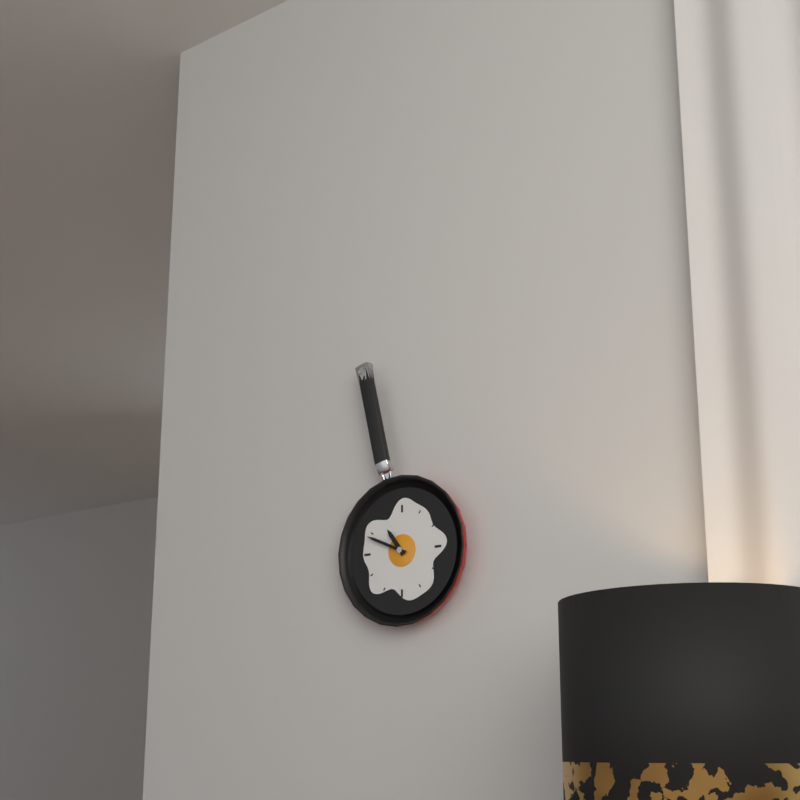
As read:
10.49
